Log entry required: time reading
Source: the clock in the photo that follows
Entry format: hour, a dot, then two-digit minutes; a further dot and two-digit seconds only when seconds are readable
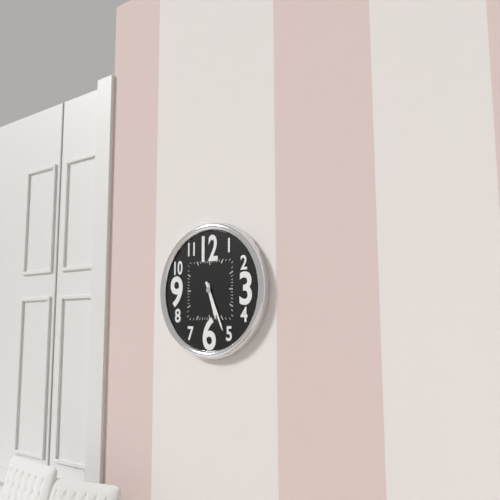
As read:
5.26
